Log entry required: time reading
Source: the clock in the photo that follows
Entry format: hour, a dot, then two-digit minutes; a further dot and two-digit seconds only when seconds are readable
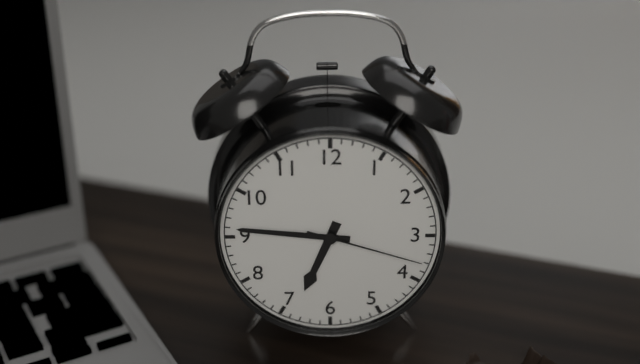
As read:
6.46.18
